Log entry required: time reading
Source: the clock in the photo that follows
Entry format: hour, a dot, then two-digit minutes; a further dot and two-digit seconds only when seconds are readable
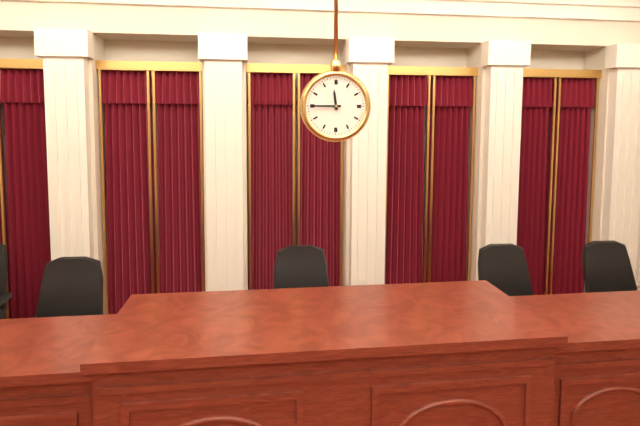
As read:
11.45
